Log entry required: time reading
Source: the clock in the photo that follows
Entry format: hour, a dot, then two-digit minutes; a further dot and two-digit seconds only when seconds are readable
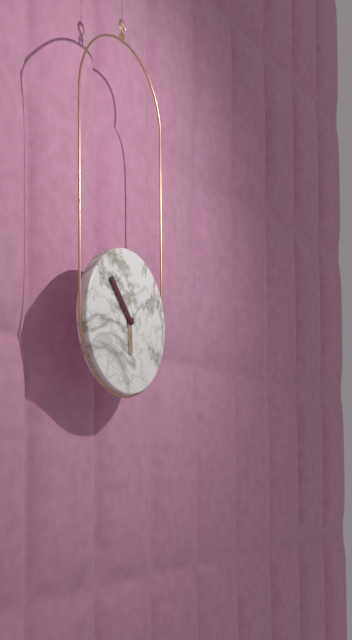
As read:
5.53
